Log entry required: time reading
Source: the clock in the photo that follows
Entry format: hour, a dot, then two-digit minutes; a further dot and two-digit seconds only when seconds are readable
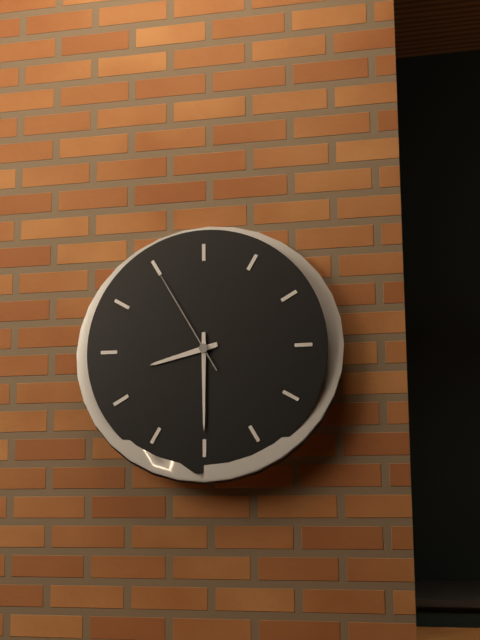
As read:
8.30.55
